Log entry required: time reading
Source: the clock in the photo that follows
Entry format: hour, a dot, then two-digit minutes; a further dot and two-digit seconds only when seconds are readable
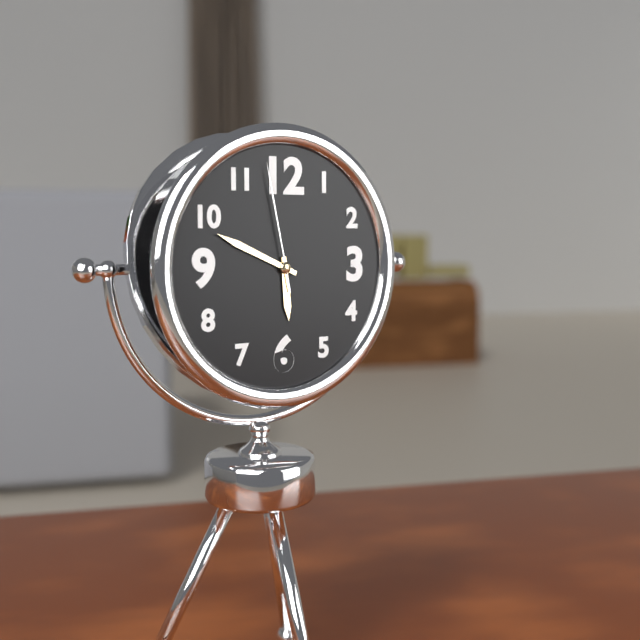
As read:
5.49.58
